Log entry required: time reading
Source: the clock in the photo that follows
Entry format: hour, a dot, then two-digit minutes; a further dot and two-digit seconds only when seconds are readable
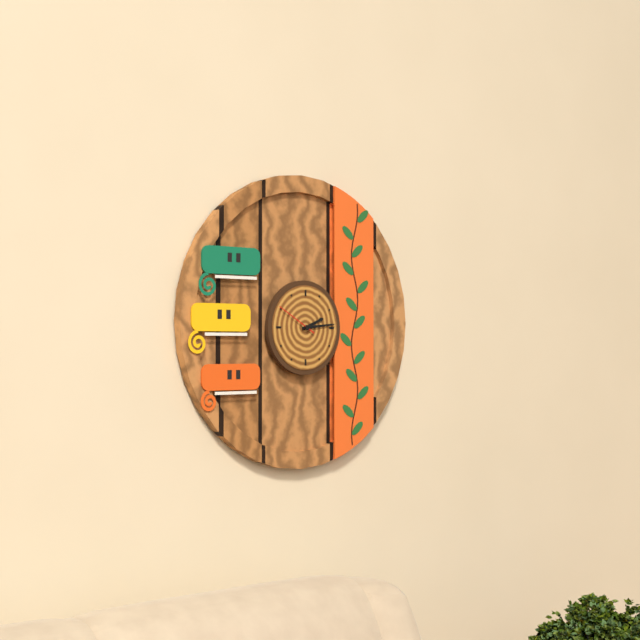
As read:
2.14
